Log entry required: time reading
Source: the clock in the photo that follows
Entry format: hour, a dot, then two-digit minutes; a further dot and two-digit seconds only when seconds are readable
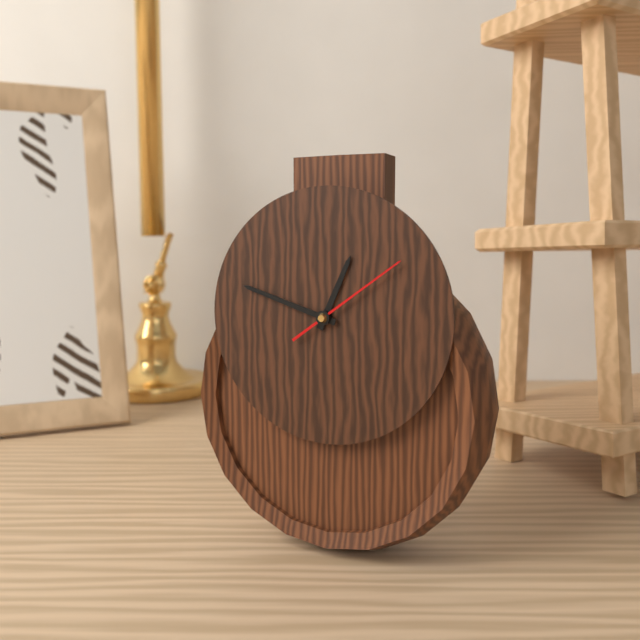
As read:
12.48.09
